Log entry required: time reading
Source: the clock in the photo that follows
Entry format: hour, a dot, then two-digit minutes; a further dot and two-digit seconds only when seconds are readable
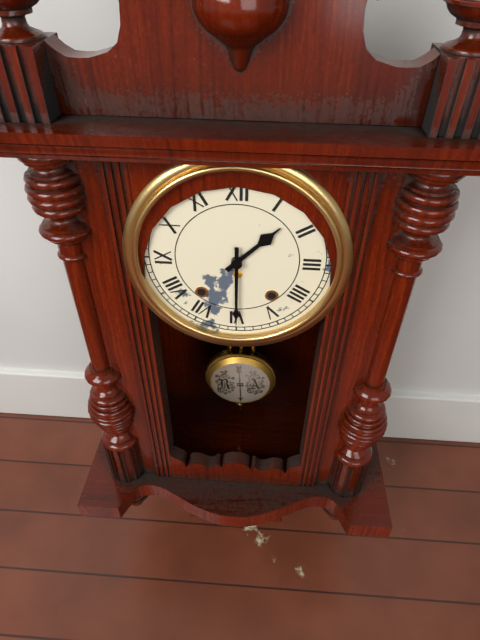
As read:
1.30
